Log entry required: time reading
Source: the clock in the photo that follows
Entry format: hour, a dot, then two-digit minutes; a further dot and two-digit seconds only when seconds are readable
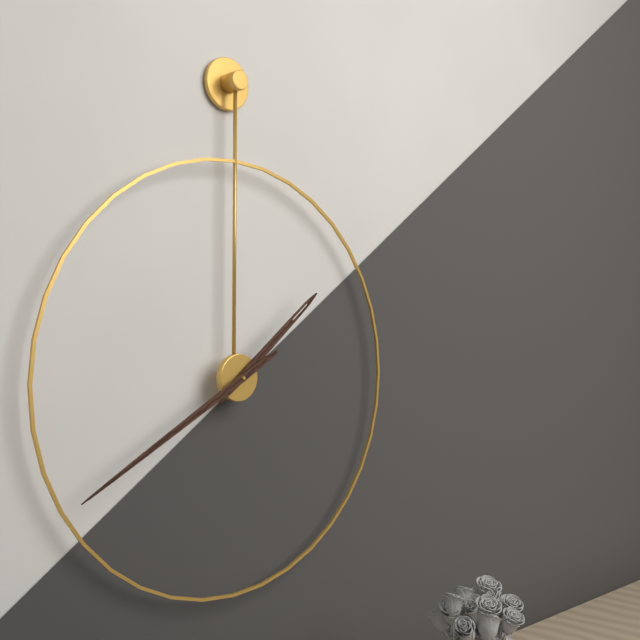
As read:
1.40
